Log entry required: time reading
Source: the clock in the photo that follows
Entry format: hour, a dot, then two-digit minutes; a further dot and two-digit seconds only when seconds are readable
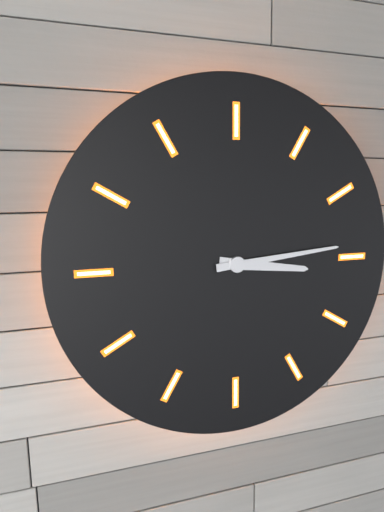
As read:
3.14
